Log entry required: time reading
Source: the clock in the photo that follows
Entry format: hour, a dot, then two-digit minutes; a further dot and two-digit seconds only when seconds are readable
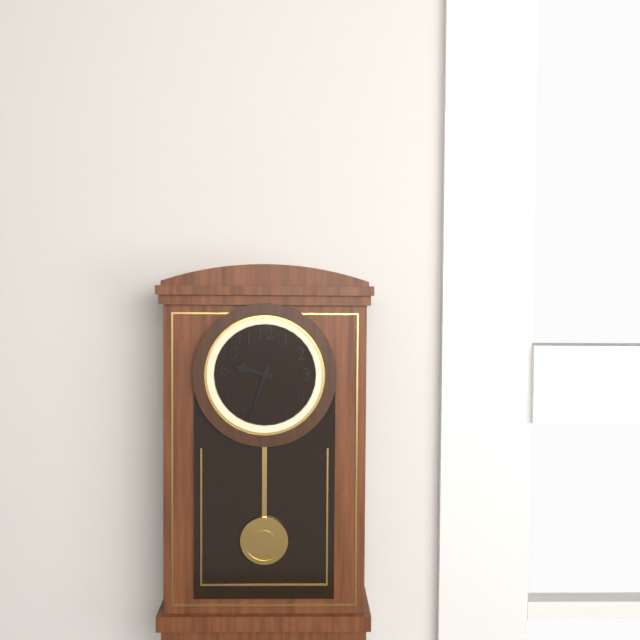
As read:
9.33
